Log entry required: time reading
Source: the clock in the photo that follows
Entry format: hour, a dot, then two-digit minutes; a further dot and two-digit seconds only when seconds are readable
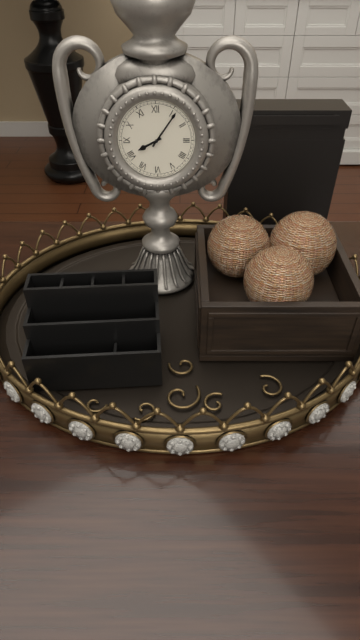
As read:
8.06
